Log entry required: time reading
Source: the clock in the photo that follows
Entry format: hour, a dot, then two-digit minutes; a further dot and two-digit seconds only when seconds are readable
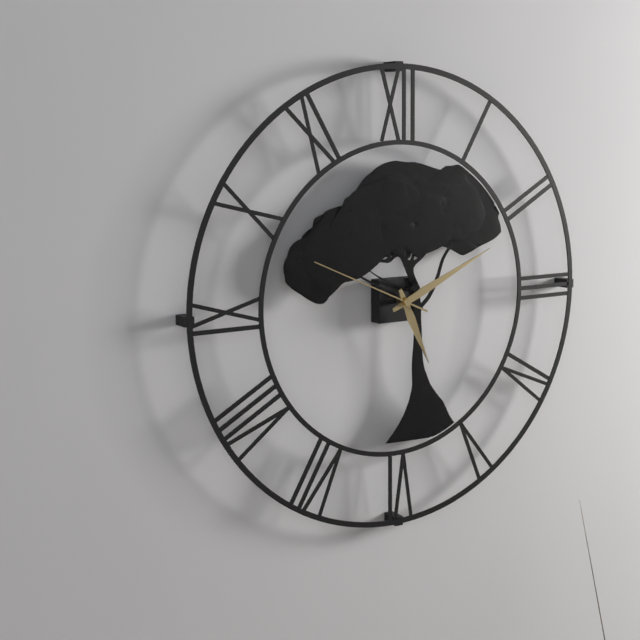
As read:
5.11.49
